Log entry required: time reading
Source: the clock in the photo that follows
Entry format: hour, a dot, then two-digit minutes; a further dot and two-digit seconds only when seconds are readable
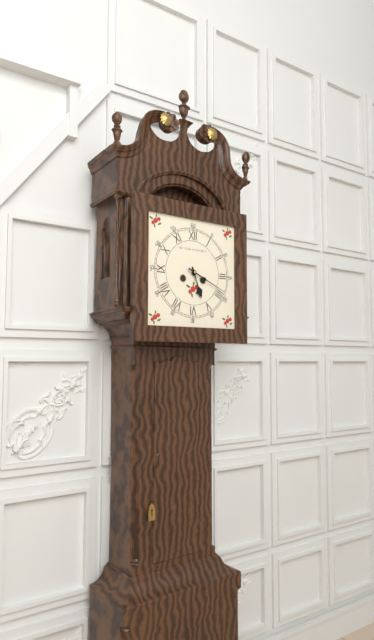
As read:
5.19
